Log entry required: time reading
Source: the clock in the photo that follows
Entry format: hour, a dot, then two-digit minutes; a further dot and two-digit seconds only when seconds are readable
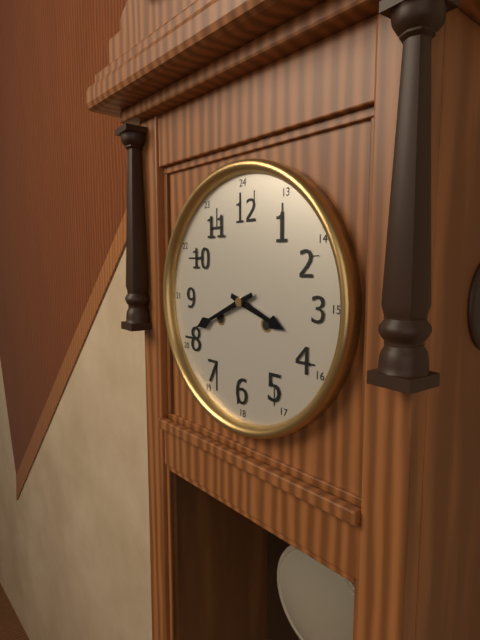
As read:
3.41
